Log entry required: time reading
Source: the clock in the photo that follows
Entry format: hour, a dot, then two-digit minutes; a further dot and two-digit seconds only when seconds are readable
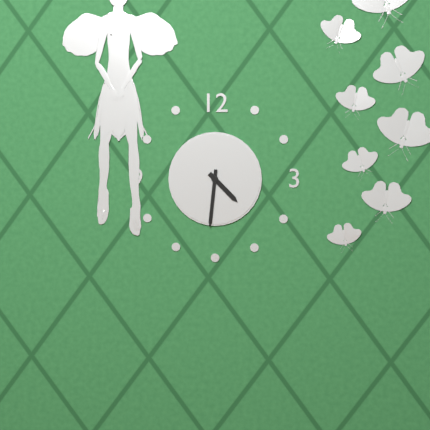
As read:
4.31
